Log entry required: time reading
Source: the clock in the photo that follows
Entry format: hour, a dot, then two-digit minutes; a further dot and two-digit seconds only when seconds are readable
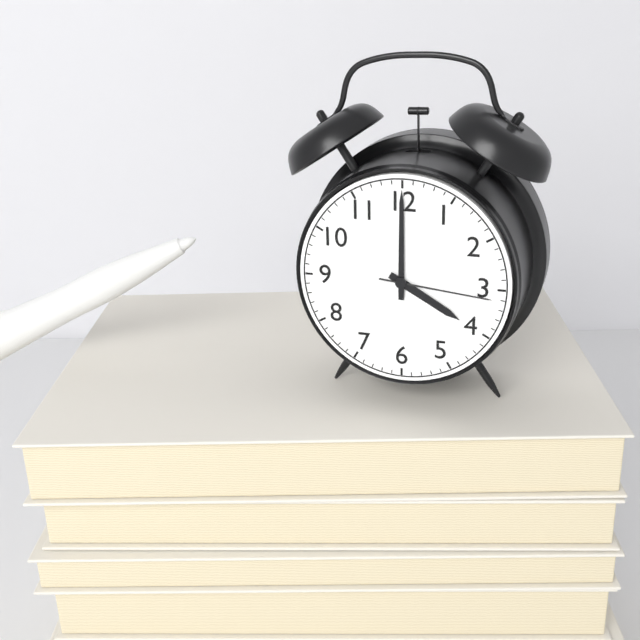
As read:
4.00.16
